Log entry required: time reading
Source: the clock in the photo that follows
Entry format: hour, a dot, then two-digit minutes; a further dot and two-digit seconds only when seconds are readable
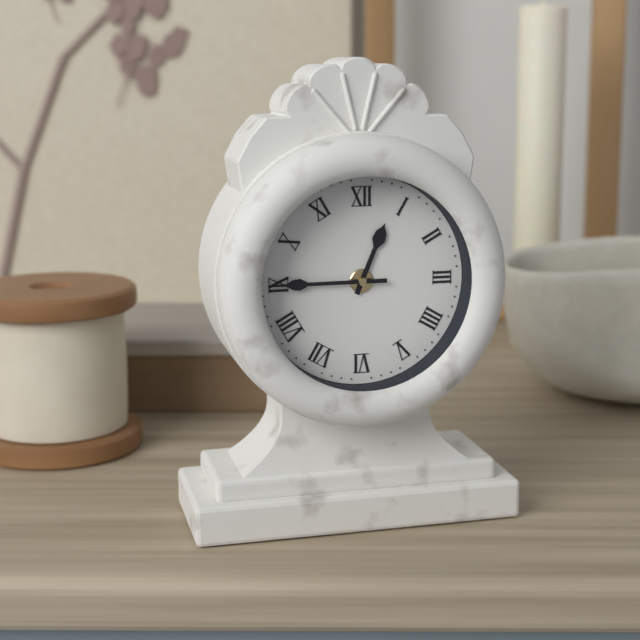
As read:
12.45
